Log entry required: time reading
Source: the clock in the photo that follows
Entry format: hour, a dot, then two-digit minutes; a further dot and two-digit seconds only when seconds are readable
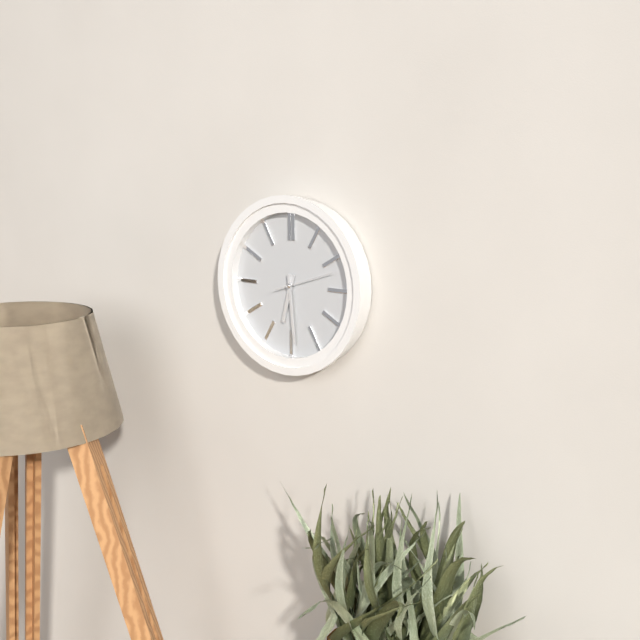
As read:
6.29.12
